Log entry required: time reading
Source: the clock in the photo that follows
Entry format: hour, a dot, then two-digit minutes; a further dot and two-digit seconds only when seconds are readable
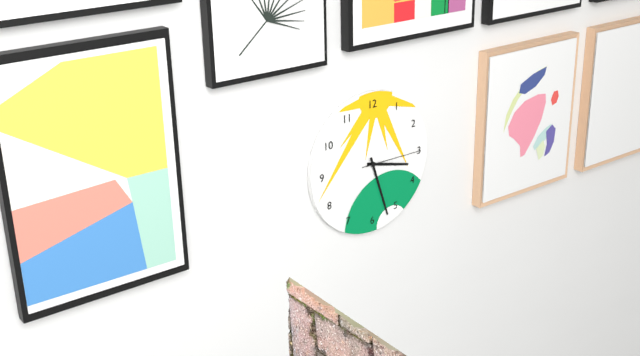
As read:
3.27.15
